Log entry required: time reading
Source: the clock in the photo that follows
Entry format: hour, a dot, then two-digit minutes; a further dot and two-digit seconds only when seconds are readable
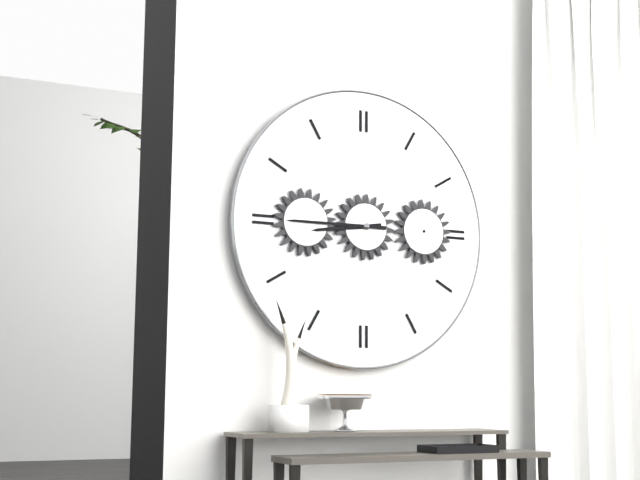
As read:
8.45
